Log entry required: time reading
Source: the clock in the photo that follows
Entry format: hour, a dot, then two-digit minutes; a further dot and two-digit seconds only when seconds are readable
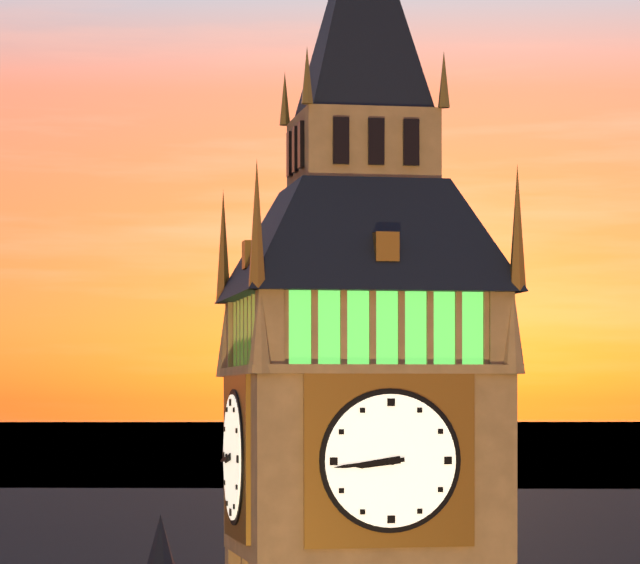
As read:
8.44
